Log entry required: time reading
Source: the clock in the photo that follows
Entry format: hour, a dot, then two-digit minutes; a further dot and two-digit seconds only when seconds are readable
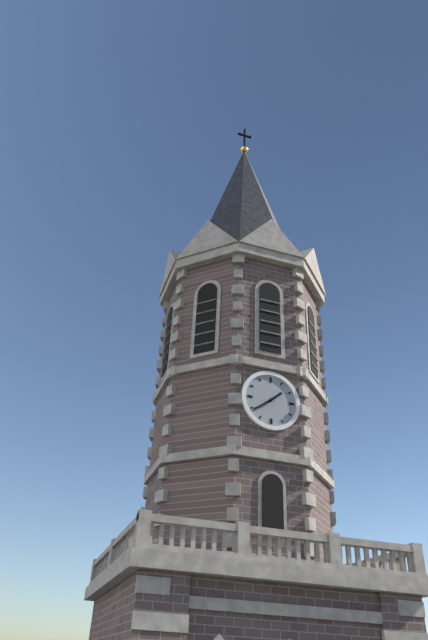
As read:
1.39
